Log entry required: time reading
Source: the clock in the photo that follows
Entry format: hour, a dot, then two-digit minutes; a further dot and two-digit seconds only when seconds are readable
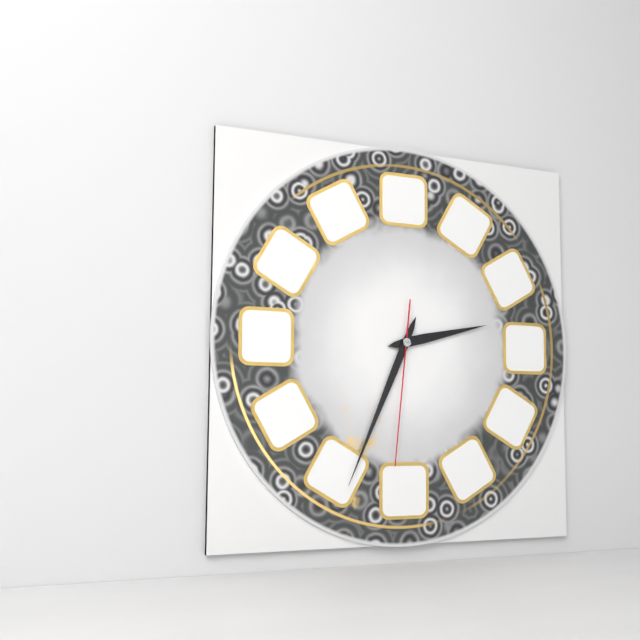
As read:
2.34.31
